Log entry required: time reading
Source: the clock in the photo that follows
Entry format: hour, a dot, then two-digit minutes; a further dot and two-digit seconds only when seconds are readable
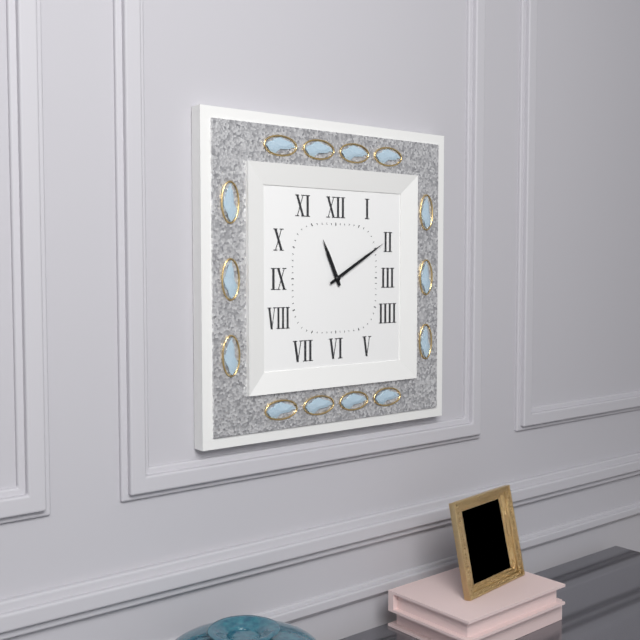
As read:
11.10
